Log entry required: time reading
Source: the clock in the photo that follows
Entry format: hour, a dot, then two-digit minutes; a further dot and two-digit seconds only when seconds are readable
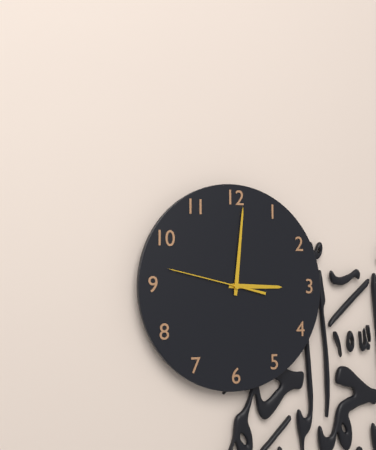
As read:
3.01.47
